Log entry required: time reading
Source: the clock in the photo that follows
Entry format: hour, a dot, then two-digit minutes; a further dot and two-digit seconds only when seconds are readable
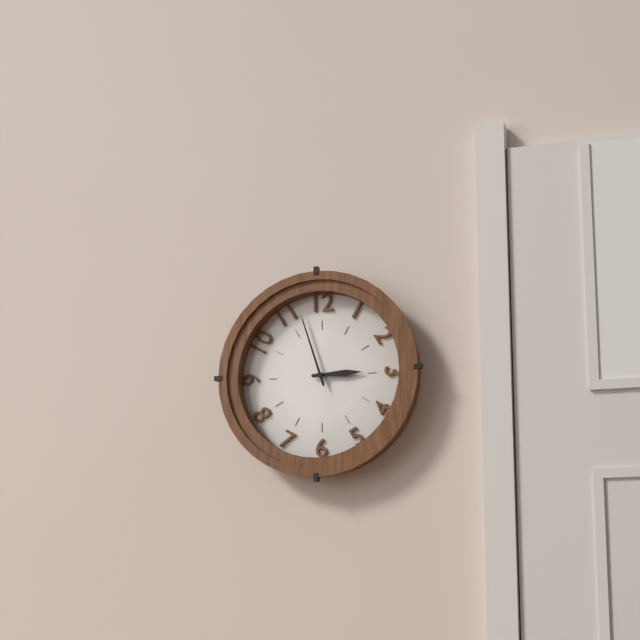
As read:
2.57
